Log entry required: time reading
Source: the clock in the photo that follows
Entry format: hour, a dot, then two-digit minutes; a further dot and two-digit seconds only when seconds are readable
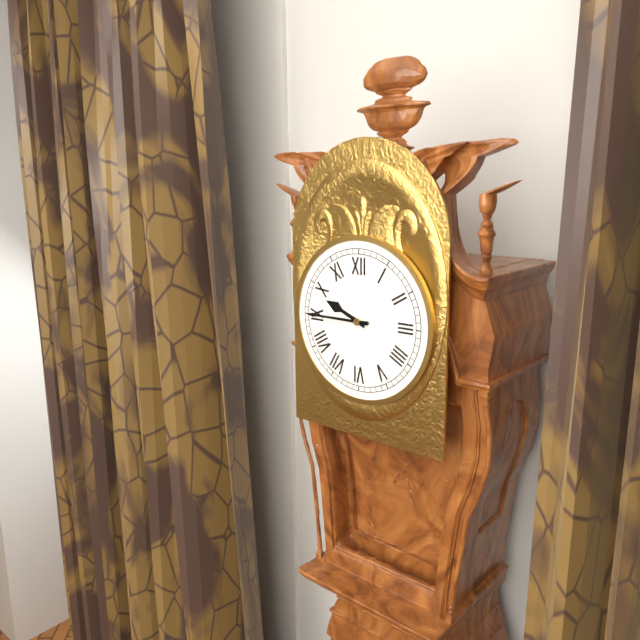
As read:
9.45
